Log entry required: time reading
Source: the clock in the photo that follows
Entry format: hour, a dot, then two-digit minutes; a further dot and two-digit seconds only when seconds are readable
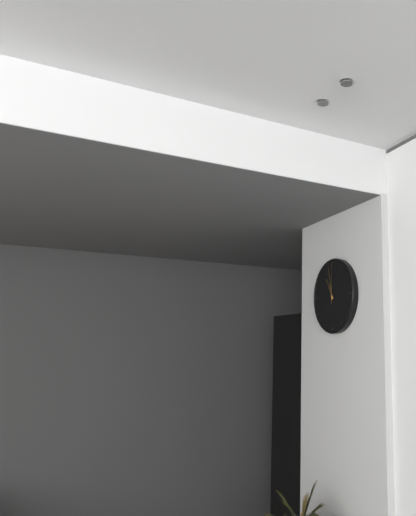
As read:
10.58
